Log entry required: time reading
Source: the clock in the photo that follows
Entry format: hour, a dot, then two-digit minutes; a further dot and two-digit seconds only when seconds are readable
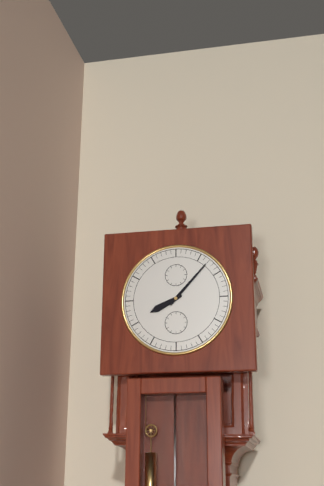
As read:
8.07
